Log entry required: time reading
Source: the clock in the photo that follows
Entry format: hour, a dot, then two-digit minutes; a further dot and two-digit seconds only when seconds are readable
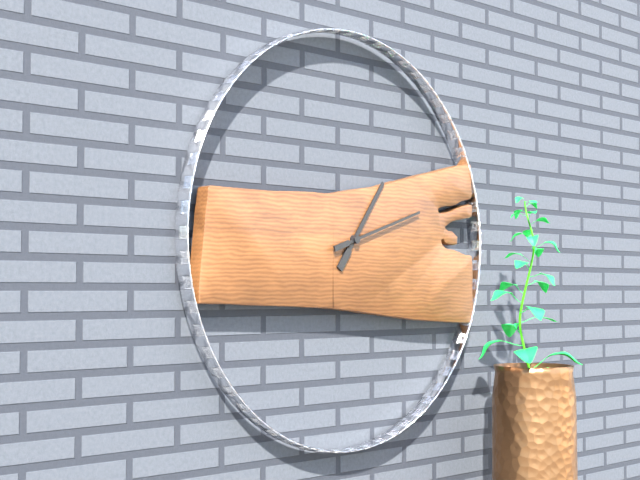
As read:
1.12
